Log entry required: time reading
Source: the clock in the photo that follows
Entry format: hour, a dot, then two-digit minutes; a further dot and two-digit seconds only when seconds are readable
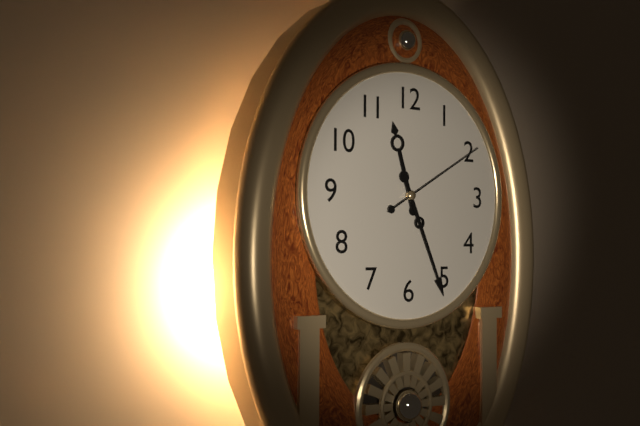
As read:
11.26.10
